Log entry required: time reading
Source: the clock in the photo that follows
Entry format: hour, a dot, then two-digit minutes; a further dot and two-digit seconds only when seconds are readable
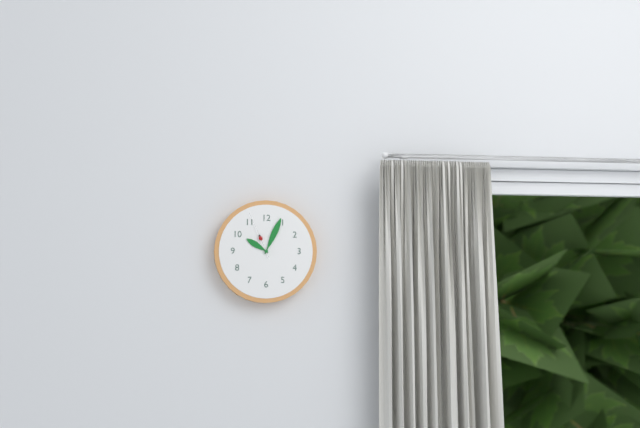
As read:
10.04.56
